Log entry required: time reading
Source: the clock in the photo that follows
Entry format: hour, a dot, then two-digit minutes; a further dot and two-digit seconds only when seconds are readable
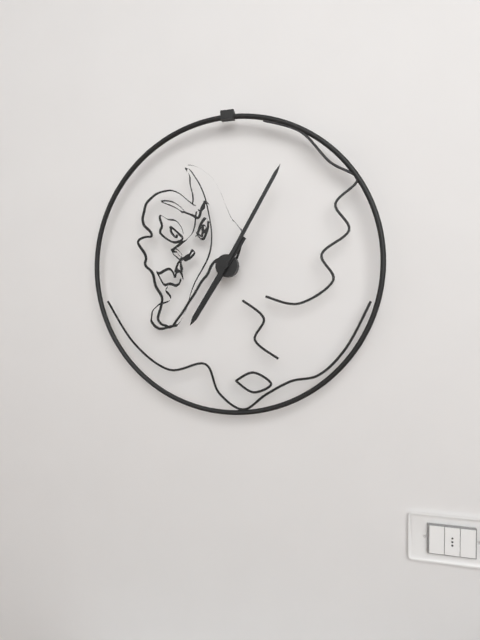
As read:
7.05
